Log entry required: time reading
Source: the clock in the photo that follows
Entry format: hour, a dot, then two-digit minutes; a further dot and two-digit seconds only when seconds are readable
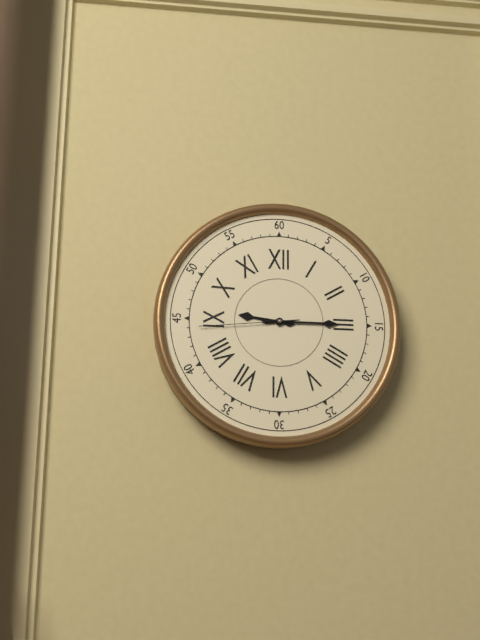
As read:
9.15.44
